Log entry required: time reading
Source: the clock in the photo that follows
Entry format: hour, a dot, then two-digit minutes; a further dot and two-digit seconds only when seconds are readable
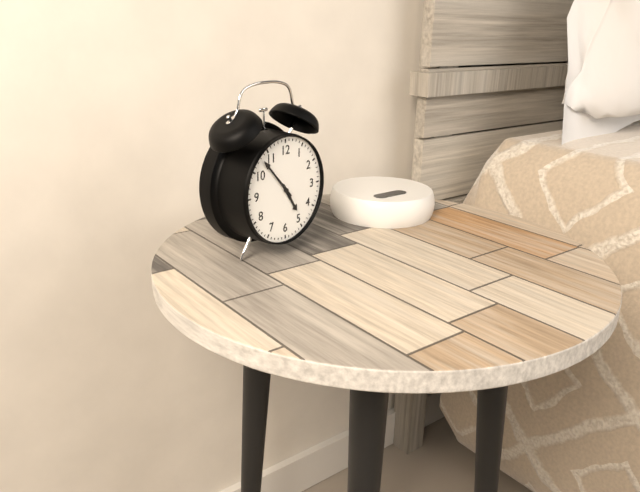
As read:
4.53
